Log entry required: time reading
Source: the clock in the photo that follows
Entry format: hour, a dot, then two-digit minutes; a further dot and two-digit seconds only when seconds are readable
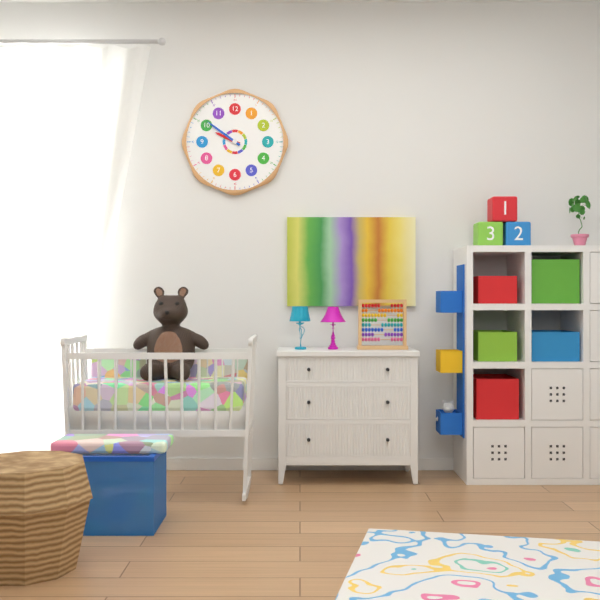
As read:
9.51
